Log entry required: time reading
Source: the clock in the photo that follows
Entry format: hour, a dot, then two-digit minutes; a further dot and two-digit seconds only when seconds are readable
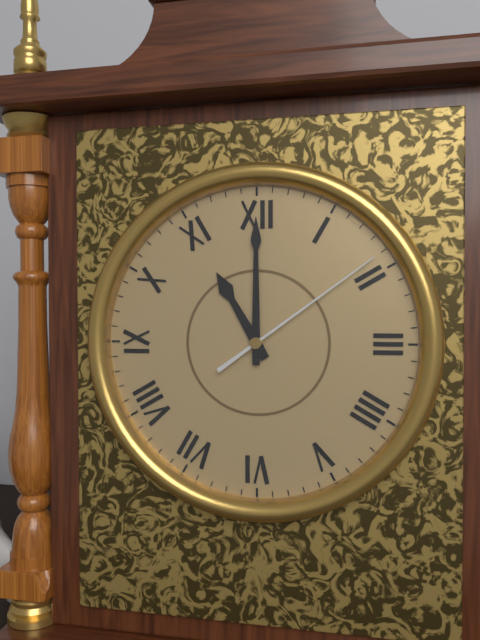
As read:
11.00.09
